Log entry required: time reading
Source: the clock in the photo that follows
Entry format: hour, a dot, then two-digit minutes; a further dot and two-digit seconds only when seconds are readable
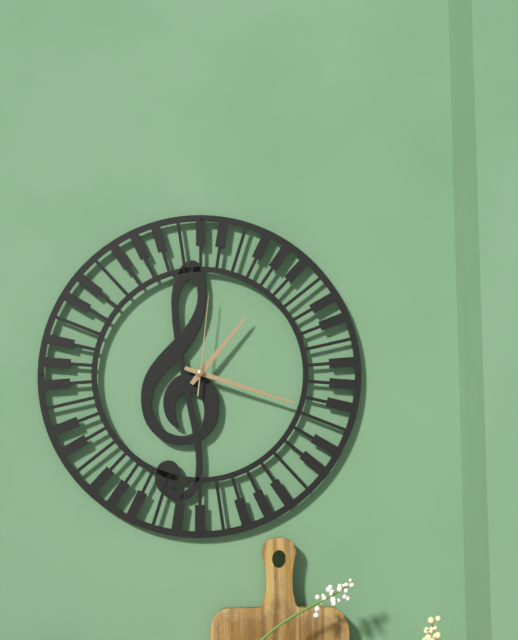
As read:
1.18.01
